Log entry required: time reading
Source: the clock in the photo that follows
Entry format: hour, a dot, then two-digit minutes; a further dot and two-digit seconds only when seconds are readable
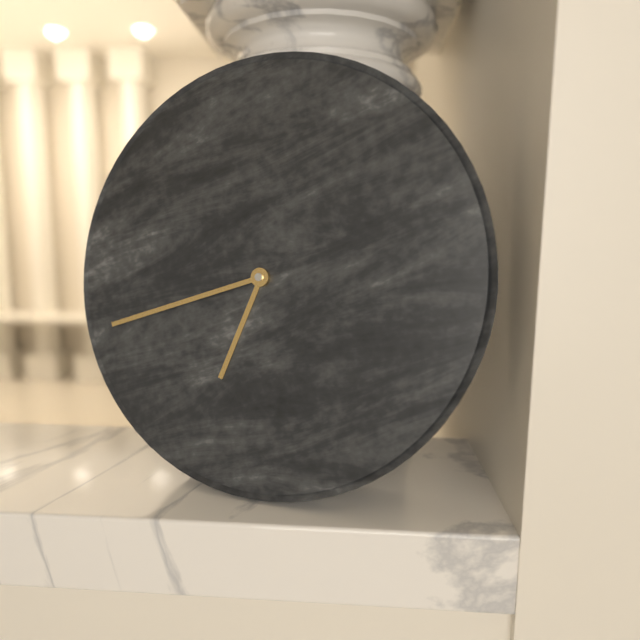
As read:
6.42
